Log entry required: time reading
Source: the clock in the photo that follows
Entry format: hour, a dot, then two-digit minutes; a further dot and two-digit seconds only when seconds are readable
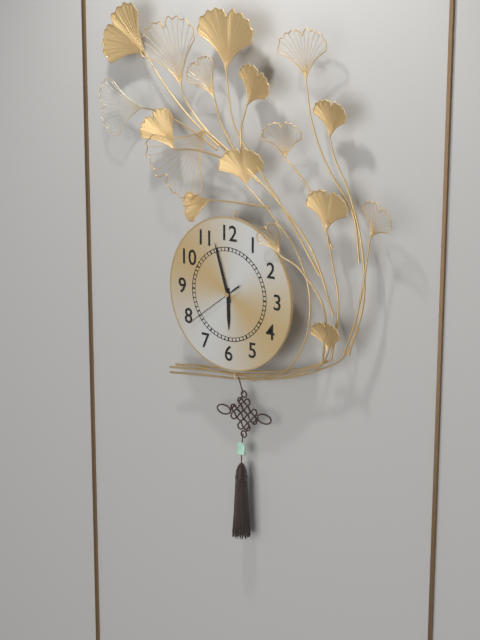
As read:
5.57.39
